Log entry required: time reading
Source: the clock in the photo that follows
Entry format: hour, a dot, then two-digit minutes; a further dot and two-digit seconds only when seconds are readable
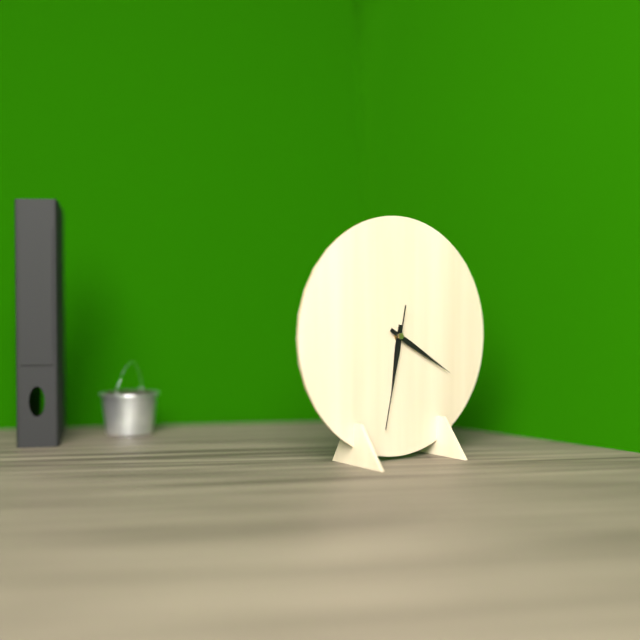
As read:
6.20.32
